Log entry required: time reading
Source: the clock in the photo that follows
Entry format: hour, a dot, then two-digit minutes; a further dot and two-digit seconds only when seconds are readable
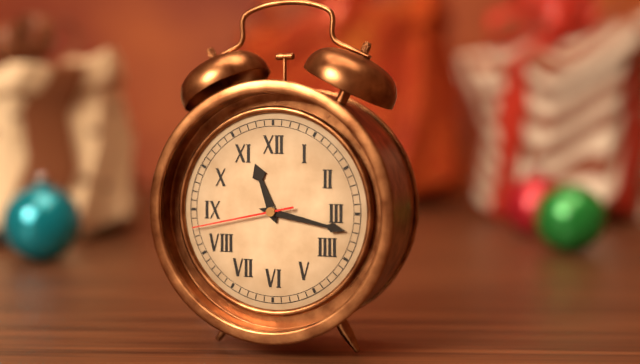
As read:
11.17.43
